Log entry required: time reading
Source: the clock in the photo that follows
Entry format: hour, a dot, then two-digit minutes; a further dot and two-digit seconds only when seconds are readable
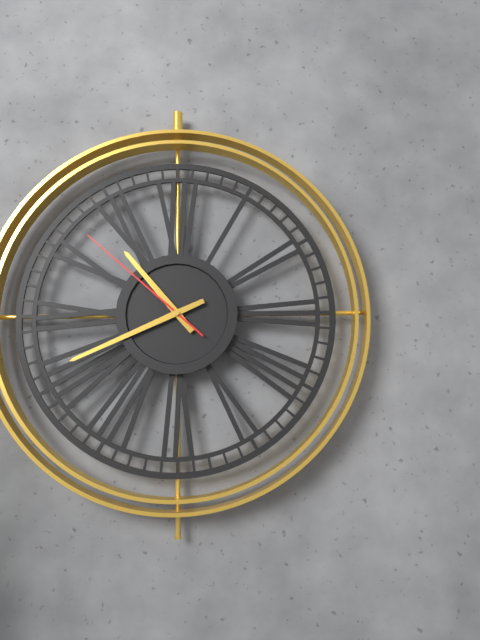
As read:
10.41.52
